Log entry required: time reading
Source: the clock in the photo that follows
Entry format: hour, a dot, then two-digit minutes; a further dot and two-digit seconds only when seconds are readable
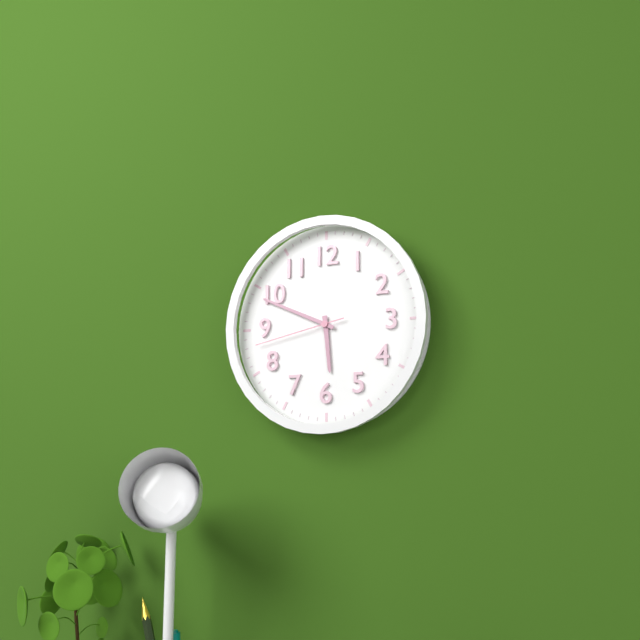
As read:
5.49.43
